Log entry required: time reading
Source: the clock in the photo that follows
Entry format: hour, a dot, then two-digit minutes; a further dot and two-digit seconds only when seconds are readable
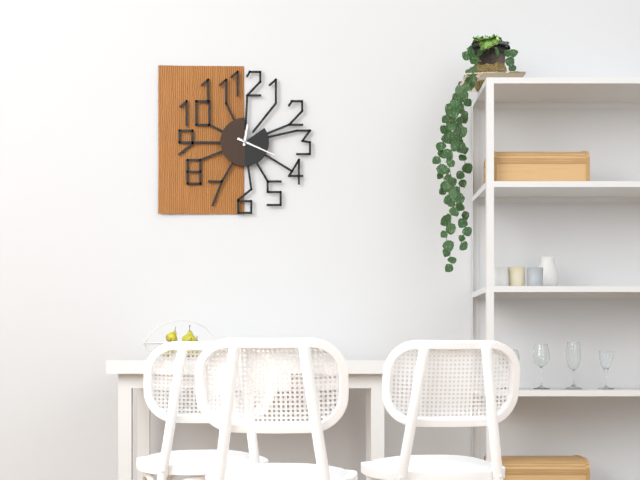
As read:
12.19
